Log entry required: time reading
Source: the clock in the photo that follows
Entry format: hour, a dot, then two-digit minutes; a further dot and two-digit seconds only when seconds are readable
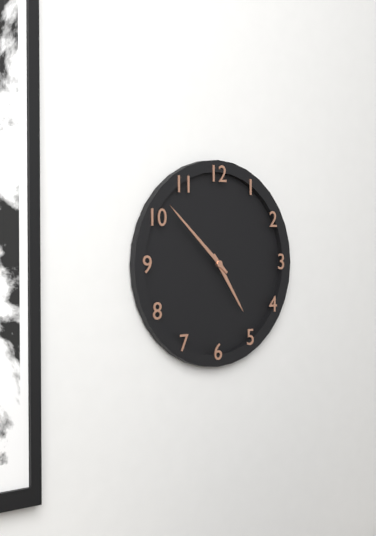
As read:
4.52
